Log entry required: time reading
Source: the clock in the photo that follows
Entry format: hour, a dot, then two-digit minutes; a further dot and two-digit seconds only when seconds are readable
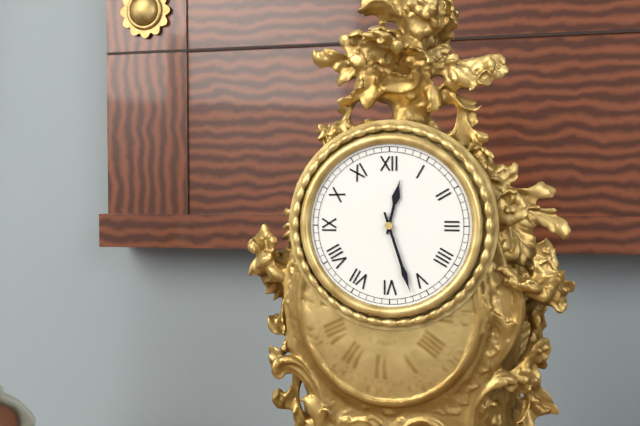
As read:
12.27
